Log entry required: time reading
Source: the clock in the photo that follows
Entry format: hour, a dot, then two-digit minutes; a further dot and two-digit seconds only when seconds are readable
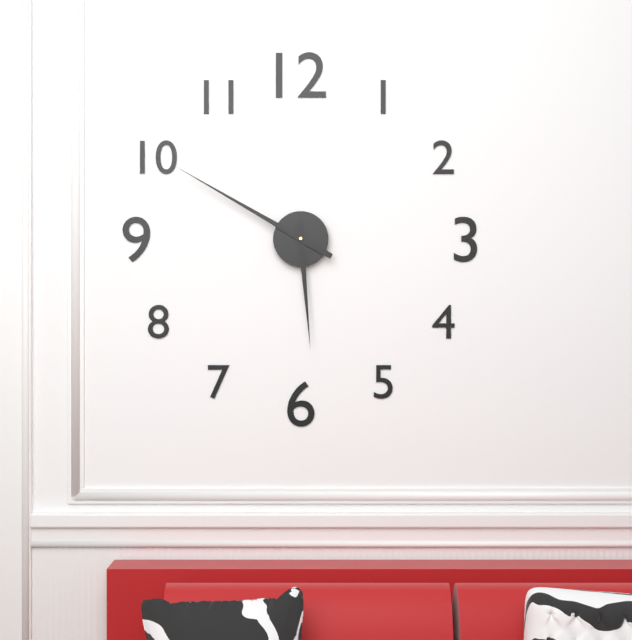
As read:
5.50
